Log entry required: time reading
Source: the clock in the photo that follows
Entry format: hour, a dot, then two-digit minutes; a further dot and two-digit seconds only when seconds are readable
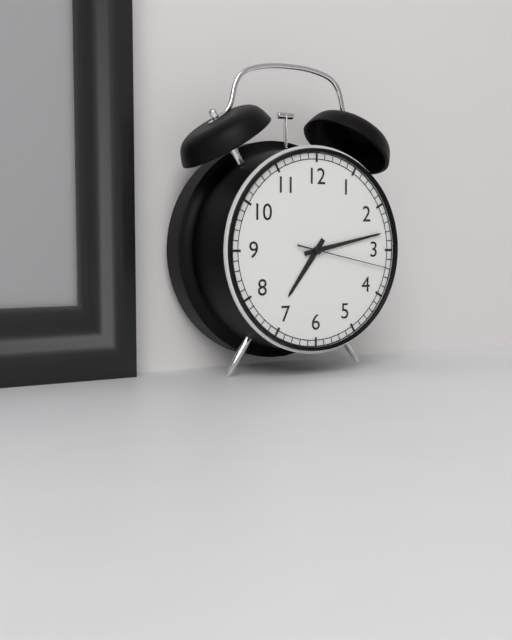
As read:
7.13.17
